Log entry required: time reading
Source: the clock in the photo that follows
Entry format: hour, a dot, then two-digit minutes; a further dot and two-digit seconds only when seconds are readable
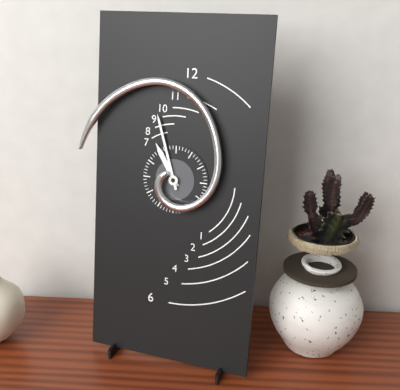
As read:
10.57
